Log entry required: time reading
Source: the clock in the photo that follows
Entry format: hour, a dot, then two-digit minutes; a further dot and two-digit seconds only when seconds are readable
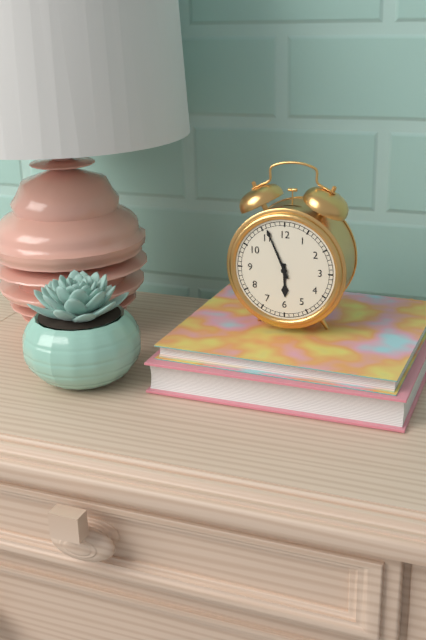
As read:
5.56
